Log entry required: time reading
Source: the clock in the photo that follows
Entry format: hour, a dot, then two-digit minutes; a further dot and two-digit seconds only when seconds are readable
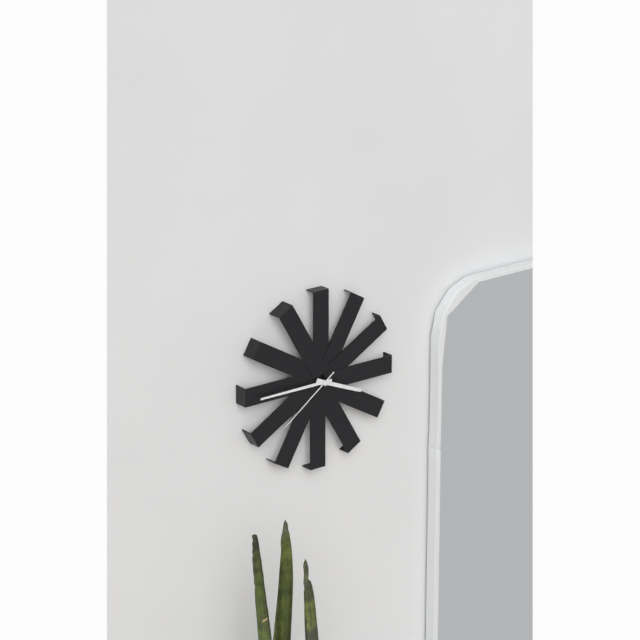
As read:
3.45.39
